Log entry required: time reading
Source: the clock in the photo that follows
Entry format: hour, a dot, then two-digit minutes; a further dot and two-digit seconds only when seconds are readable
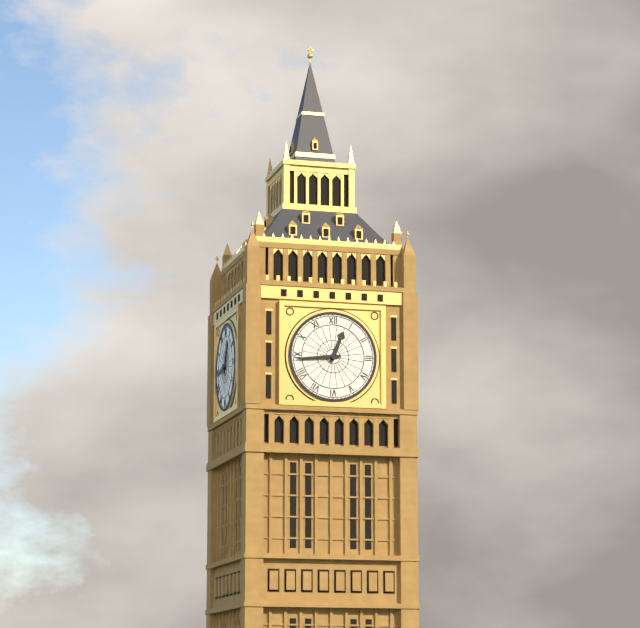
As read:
12.44
